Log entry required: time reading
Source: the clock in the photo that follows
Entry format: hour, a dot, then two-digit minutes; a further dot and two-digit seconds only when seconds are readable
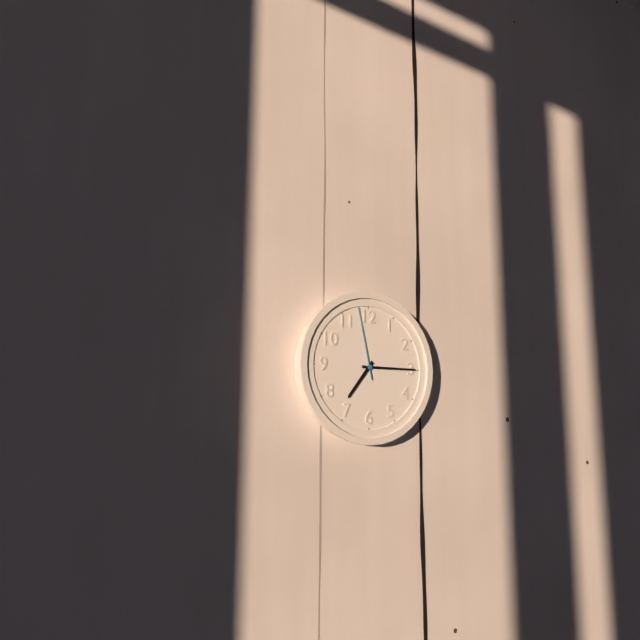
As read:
7.15.58
